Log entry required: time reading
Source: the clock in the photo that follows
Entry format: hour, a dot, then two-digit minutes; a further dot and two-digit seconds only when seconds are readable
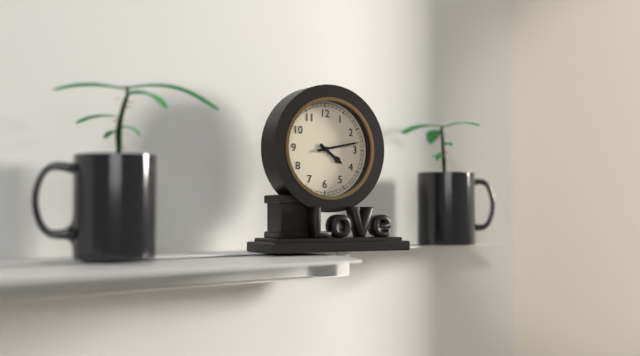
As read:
4.13
